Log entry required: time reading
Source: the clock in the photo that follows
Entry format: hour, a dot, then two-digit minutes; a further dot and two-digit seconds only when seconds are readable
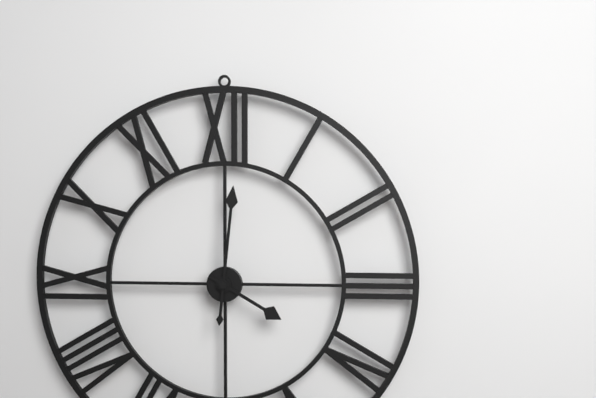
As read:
4.01
